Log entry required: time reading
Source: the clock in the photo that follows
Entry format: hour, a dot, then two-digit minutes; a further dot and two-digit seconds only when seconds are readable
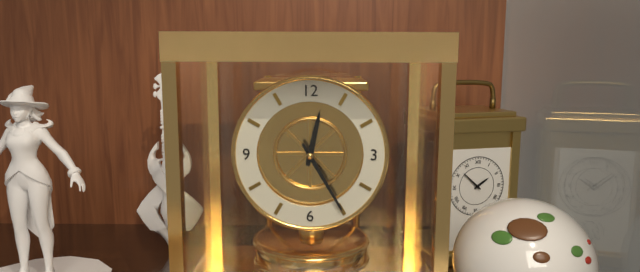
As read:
12.25
